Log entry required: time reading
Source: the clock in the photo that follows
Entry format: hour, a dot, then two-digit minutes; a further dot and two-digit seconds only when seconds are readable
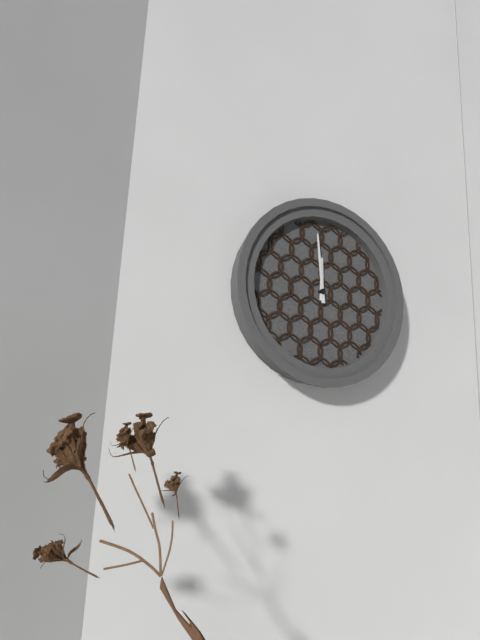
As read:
11.59
